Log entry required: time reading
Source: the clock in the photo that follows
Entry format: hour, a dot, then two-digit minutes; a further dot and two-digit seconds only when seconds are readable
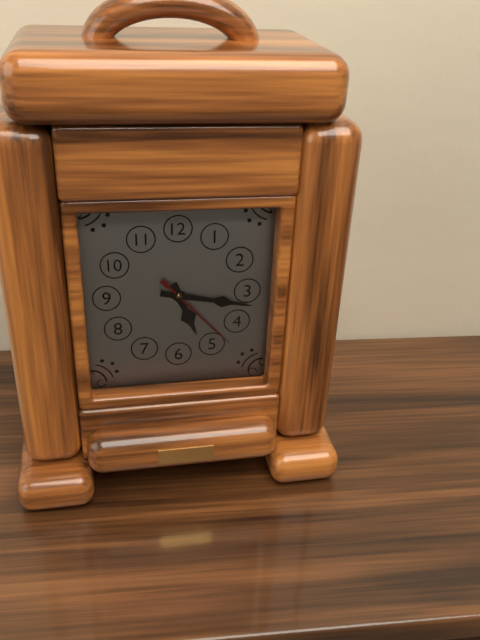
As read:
5.17.23
